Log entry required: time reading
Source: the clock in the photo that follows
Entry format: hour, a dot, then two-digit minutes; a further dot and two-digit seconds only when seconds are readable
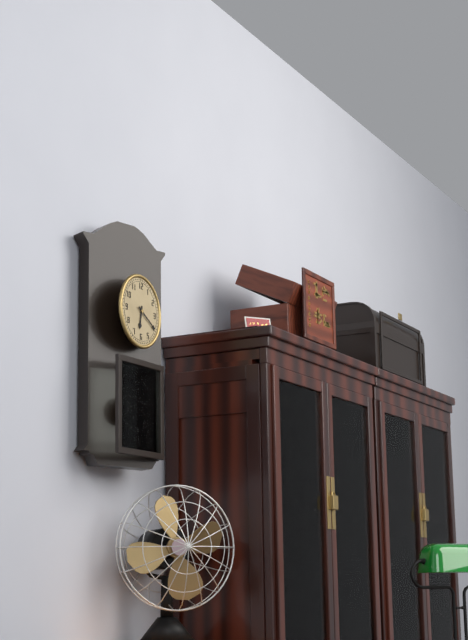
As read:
6.20
